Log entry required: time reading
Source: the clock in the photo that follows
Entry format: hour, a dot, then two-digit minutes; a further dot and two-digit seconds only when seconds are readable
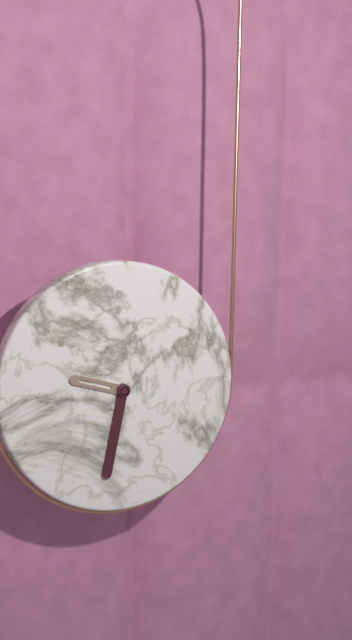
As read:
9.32
